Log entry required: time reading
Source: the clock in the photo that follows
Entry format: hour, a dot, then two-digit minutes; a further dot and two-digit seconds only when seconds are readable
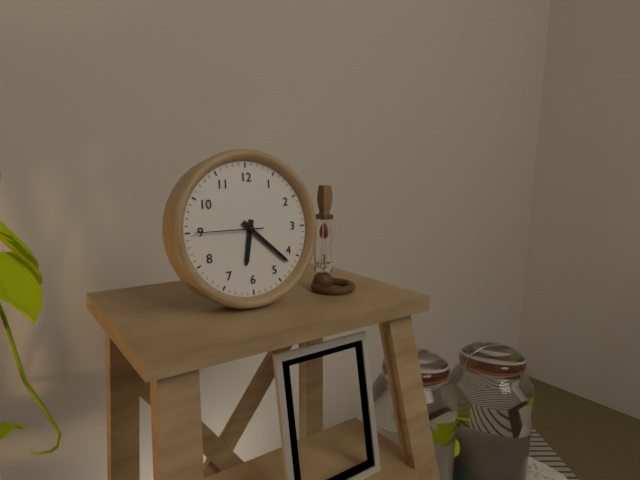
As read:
6.22.45
